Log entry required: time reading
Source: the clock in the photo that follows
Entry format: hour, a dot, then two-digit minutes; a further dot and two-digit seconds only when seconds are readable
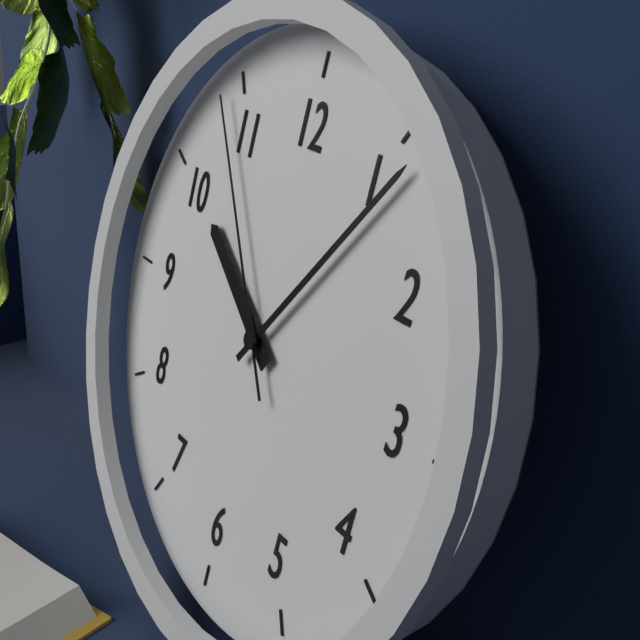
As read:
10.06.54
